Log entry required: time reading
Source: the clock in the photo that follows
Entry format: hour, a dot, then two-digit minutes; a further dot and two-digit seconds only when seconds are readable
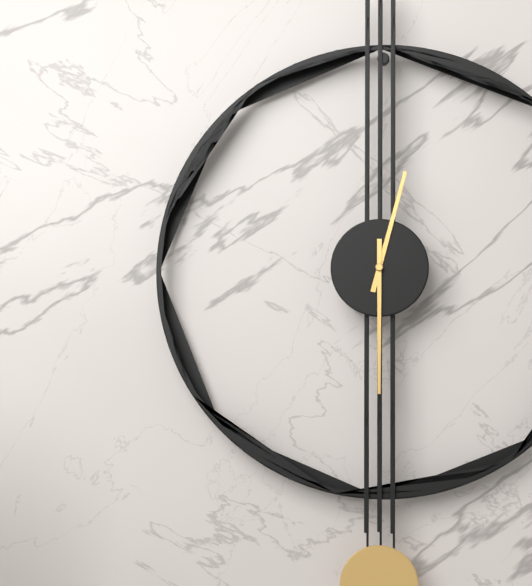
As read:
12.30
